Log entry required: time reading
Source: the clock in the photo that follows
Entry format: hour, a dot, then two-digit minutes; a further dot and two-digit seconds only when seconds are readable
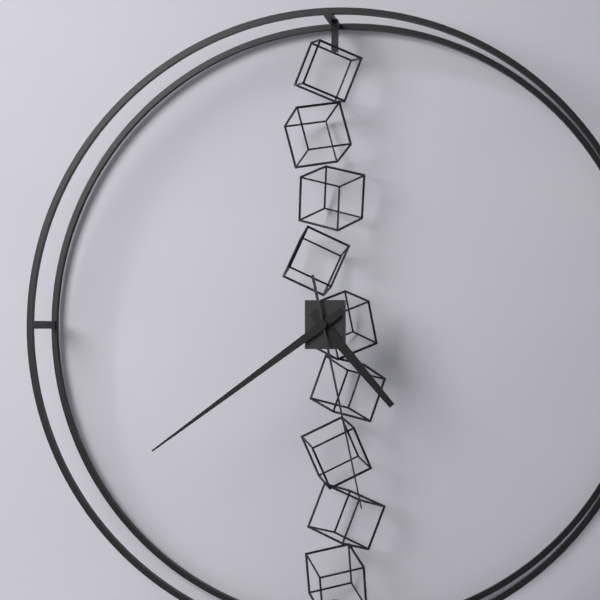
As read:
4.39.28
